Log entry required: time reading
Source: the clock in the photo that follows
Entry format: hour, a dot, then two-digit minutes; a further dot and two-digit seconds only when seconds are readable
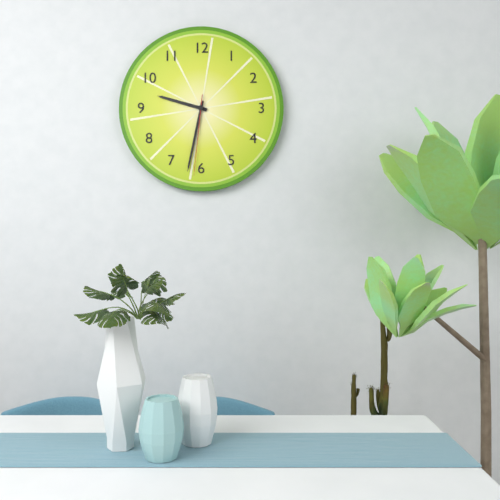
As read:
9.32.31
